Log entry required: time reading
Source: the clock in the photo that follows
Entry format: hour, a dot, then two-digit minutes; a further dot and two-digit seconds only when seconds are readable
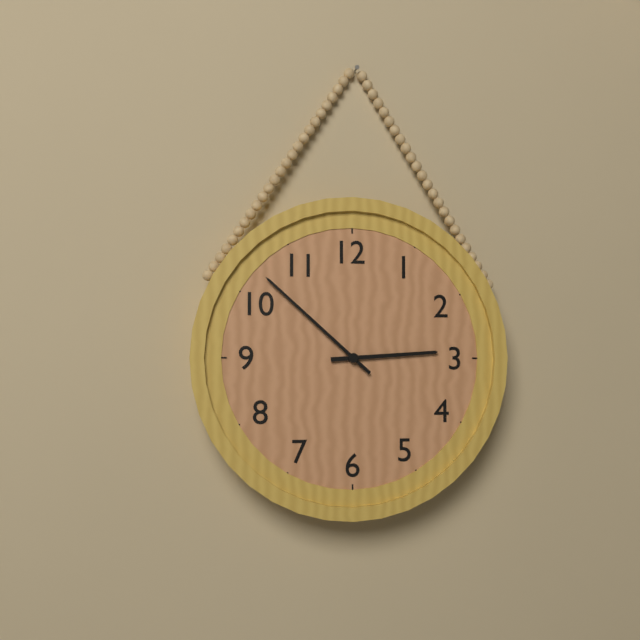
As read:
2.52
